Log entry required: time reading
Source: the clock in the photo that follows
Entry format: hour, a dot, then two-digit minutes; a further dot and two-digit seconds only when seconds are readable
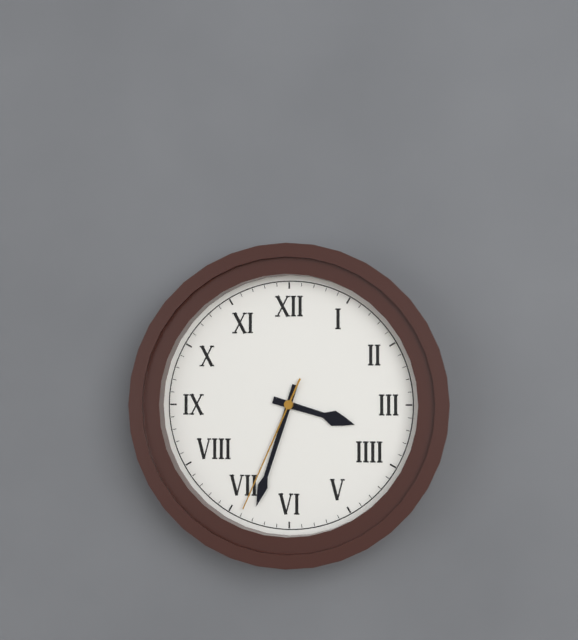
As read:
3.33.34
